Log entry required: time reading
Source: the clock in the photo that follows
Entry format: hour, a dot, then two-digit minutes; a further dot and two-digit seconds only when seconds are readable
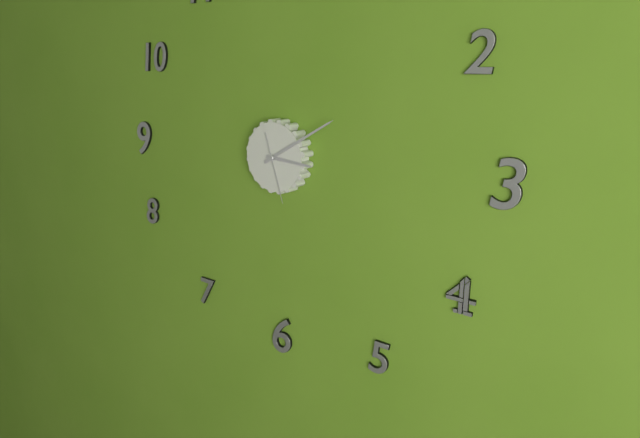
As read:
3.10.27
